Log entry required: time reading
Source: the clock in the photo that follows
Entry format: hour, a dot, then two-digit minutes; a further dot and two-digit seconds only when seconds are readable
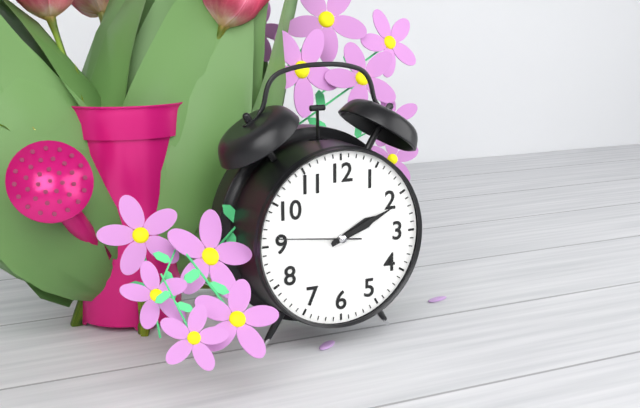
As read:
2.11.46
